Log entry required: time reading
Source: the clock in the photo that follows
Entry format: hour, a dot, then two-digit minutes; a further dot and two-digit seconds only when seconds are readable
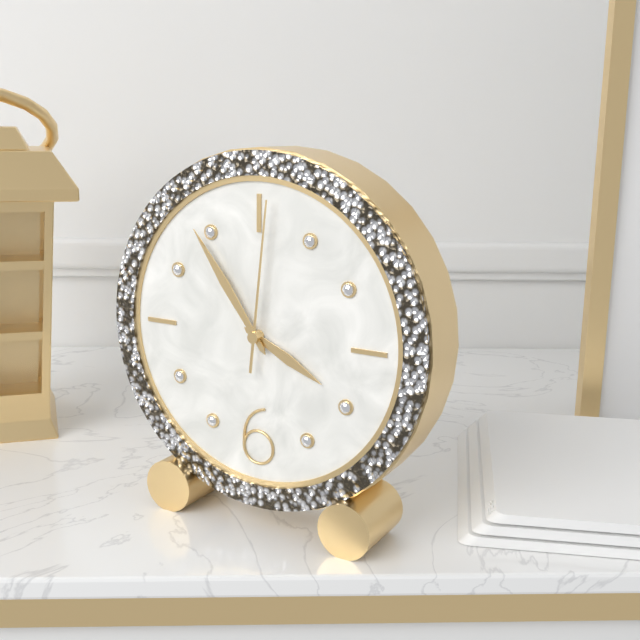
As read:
3.54.01
